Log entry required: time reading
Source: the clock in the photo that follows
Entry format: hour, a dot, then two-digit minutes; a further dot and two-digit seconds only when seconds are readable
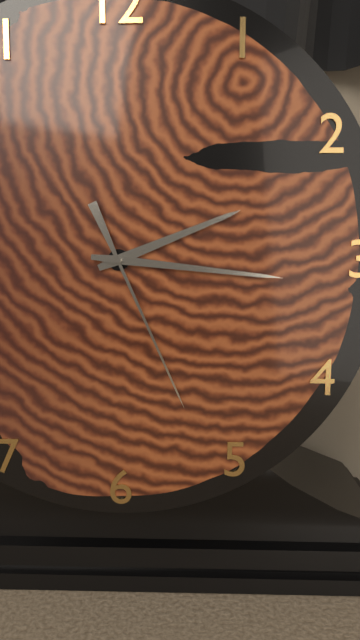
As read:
2.16.26
